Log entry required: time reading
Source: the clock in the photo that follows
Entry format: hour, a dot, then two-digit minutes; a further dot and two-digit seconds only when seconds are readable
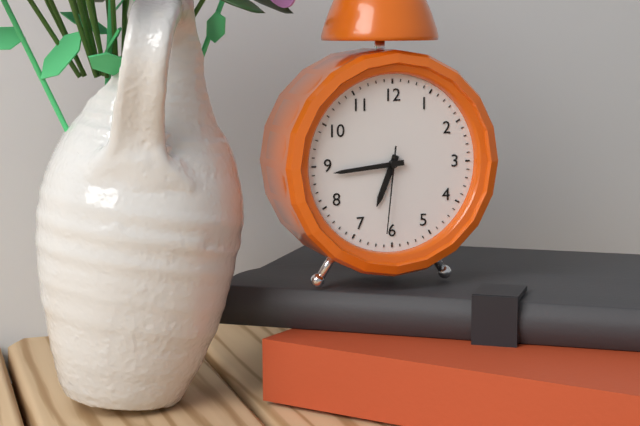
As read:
6.44.31
